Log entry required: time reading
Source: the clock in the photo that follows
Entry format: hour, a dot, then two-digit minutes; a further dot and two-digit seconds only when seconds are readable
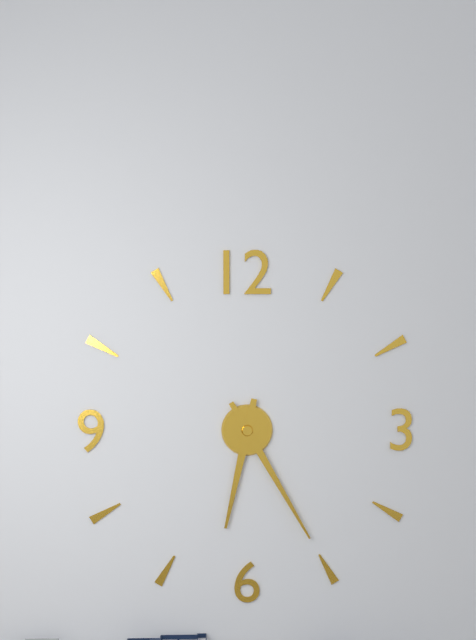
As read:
6.25
